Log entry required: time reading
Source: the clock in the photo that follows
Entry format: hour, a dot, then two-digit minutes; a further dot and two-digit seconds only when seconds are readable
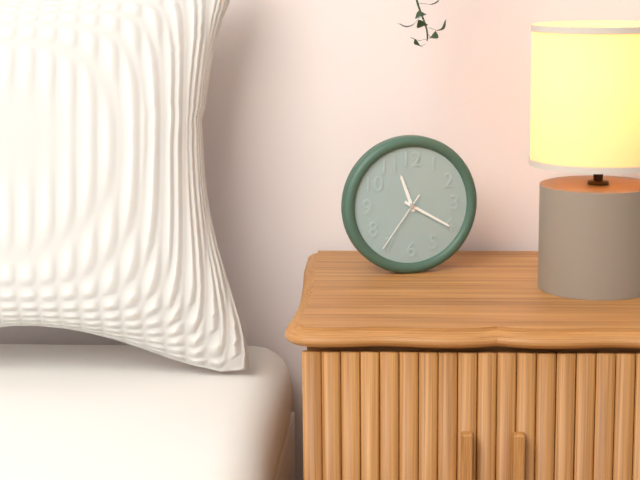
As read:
11.20.36
